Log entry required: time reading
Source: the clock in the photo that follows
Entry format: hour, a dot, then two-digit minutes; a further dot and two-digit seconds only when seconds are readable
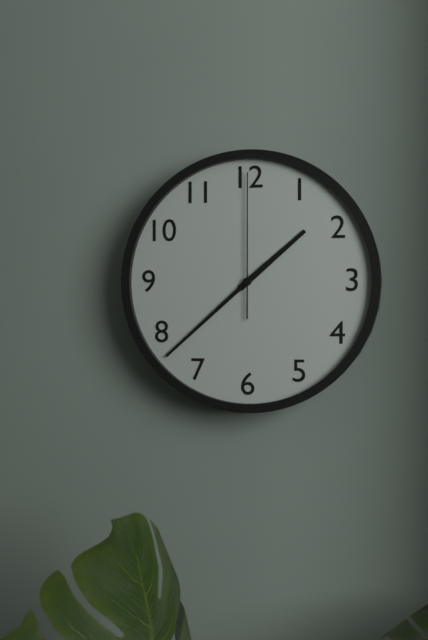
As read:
1.38.00
